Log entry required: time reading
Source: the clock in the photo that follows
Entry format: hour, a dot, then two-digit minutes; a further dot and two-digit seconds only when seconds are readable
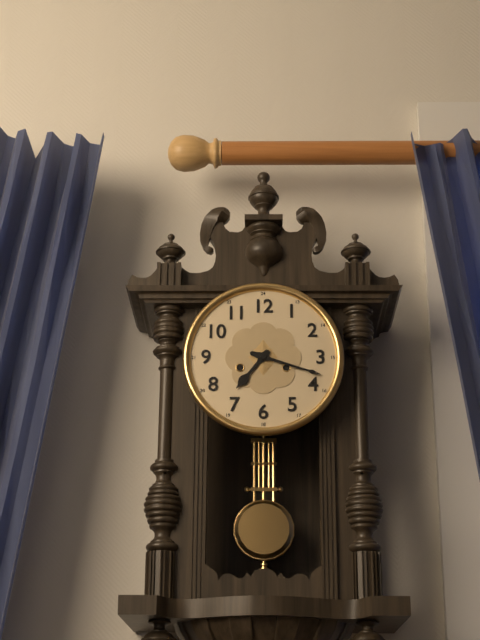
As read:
7.18
